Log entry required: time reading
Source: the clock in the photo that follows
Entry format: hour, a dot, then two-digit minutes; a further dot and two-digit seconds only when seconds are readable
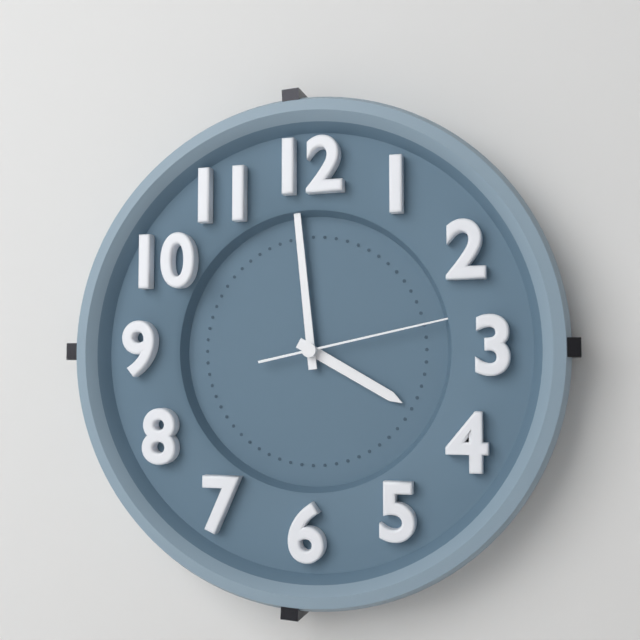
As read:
3.59.13
